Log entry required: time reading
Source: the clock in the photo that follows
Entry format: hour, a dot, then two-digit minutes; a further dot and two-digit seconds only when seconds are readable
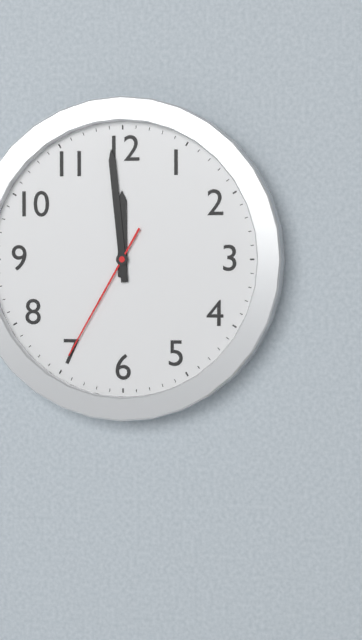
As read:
11.59.35
